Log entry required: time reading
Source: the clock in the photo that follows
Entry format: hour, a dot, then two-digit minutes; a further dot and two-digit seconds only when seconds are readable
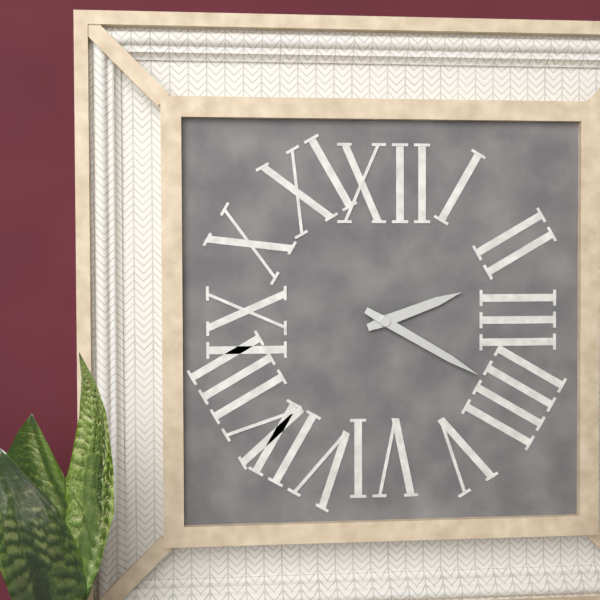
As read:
2.20
